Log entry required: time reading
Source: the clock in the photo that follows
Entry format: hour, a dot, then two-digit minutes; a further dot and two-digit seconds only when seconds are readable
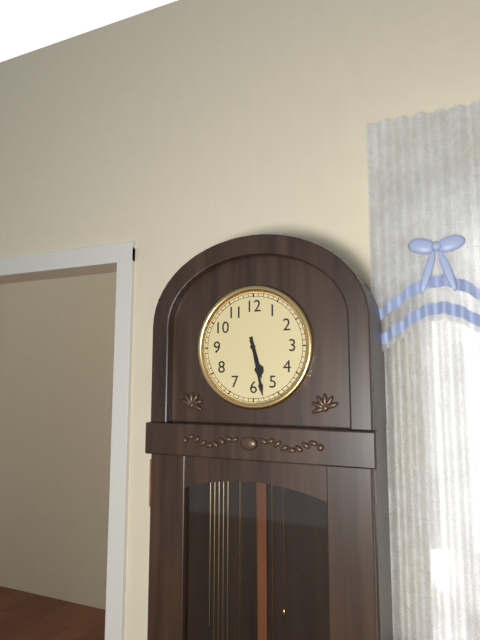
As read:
5.28
